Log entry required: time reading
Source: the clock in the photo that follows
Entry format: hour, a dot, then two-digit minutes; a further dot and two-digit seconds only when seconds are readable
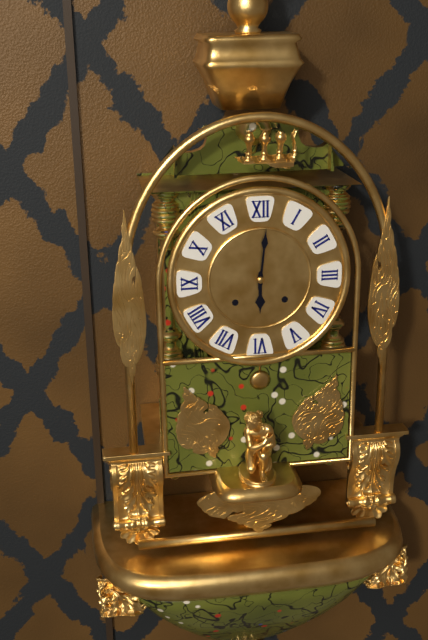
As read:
6.01
